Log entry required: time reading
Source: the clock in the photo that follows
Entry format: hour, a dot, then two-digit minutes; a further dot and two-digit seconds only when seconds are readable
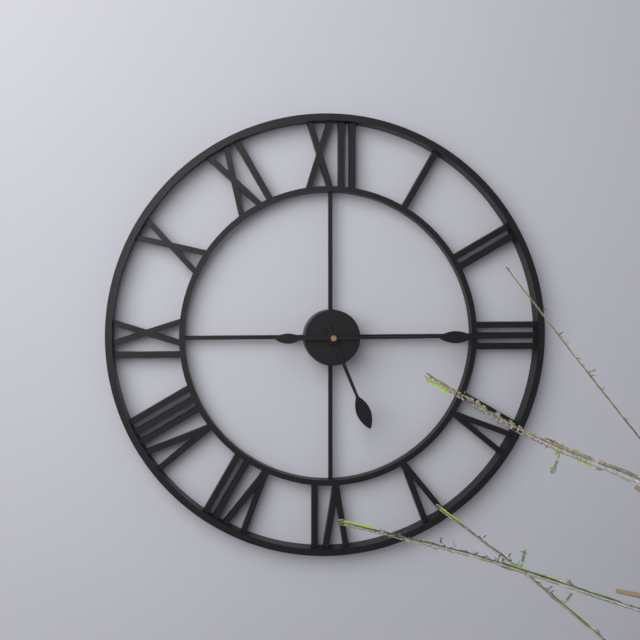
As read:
5.15
